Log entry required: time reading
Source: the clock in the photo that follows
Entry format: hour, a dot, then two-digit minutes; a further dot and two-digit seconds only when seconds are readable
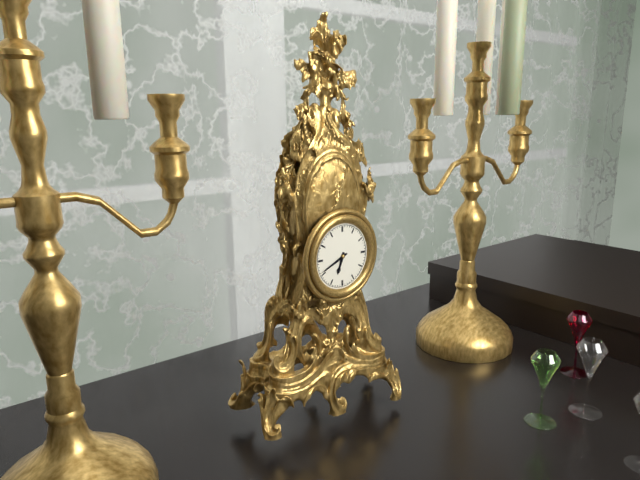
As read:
6.41
